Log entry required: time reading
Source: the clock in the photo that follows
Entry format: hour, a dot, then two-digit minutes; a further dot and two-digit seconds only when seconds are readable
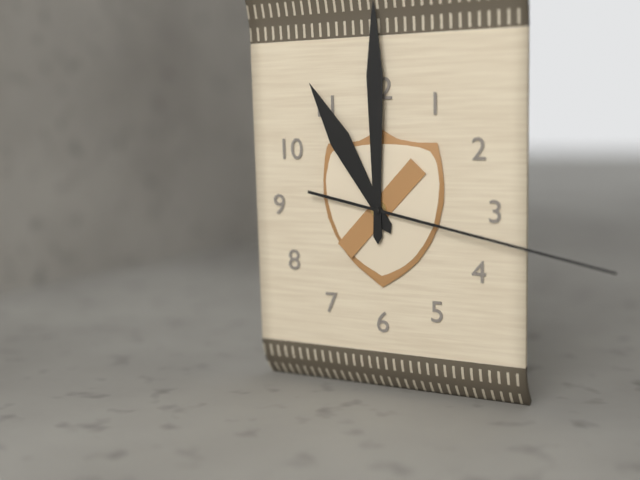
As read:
11.00.17
